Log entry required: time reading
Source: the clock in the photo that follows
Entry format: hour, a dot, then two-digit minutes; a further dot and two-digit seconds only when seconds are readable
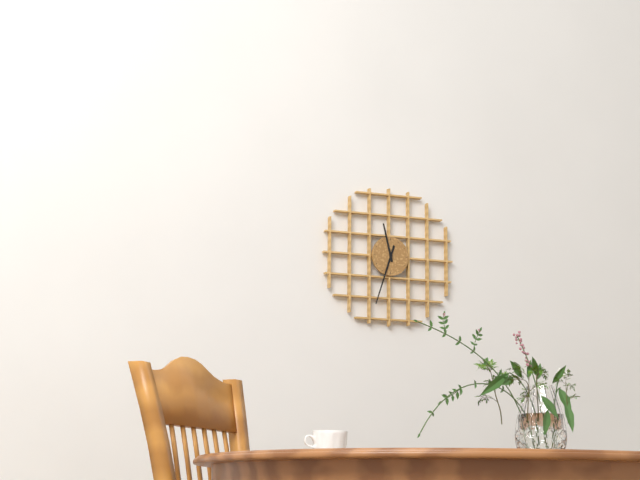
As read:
11.33
